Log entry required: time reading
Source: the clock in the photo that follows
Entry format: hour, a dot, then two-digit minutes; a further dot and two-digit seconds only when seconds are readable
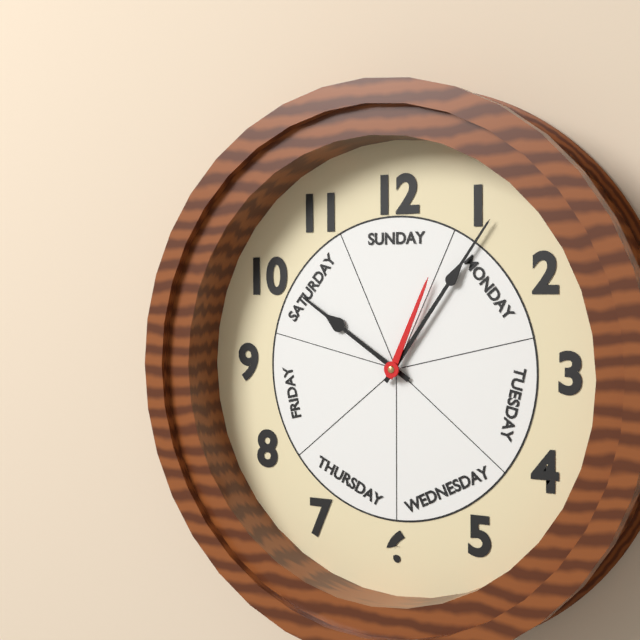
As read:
10.06.04
